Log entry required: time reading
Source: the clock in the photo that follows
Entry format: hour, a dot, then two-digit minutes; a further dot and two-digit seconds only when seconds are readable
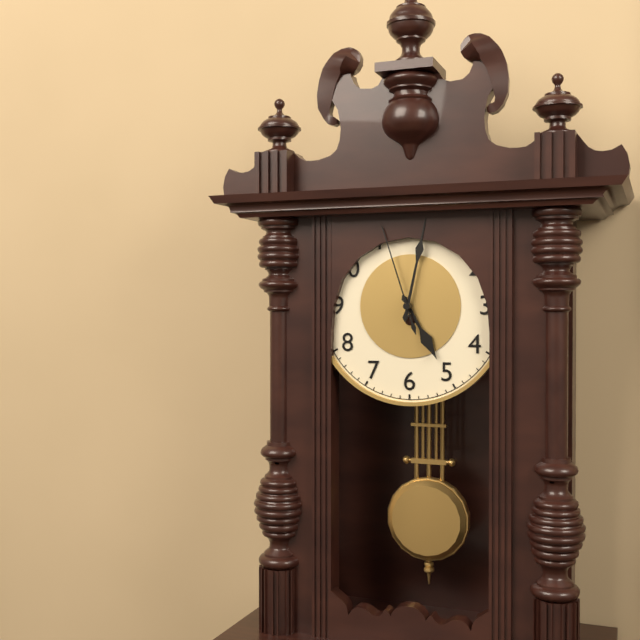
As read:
5.02.57
